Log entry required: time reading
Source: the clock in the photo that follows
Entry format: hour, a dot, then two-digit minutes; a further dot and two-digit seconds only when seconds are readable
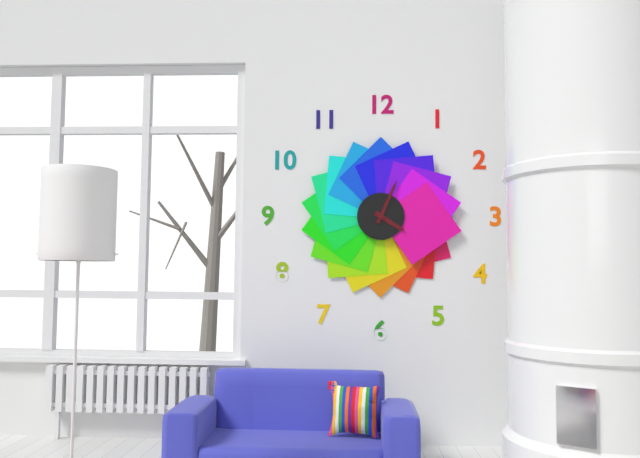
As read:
4.04
